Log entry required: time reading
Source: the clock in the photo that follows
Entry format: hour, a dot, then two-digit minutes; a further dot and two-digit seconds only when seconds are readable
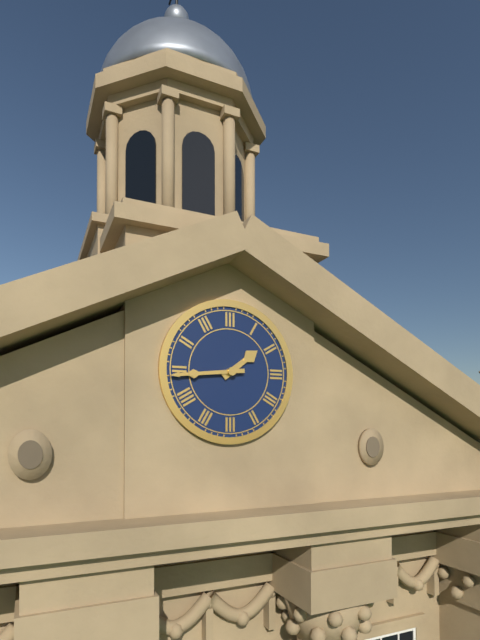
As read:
1.44
